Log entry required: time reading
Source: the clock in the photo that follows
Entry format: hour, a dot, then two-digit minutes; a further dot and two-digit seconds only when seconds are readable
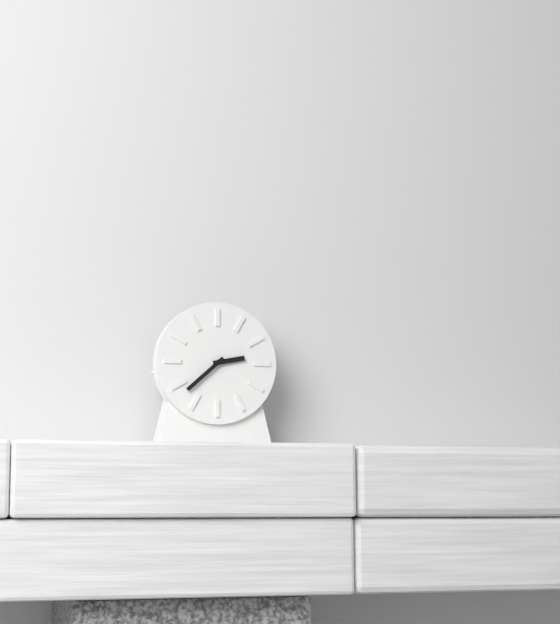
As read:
2.38
